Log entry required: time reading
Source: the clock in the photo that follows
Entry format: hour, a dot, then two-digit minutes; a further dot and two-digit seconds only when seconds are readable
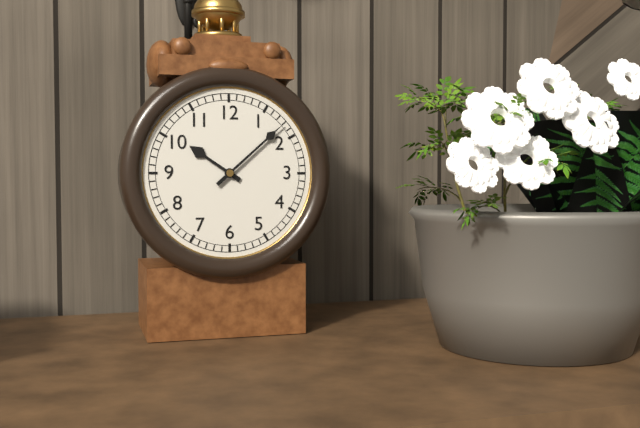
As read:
10.08
